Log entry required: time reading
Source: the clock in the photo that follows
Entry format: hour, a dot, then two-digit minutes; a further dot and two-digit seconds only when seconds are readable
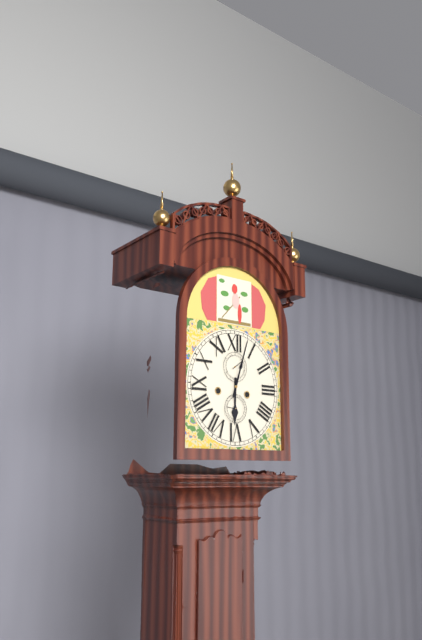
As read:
6.03
